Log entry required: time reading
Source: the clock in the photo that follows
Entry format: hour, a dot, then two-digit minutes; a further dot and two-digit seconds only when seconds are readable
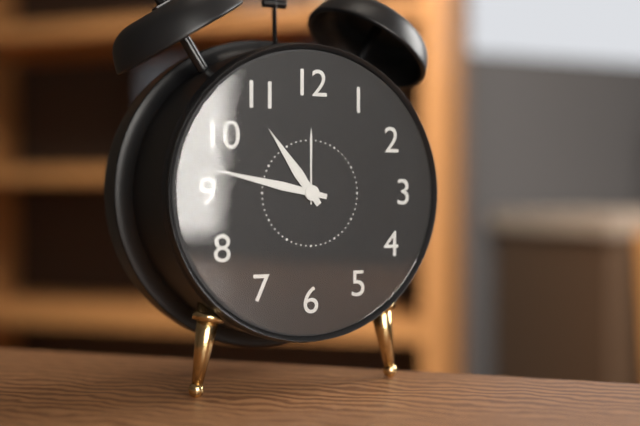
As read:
10.47
